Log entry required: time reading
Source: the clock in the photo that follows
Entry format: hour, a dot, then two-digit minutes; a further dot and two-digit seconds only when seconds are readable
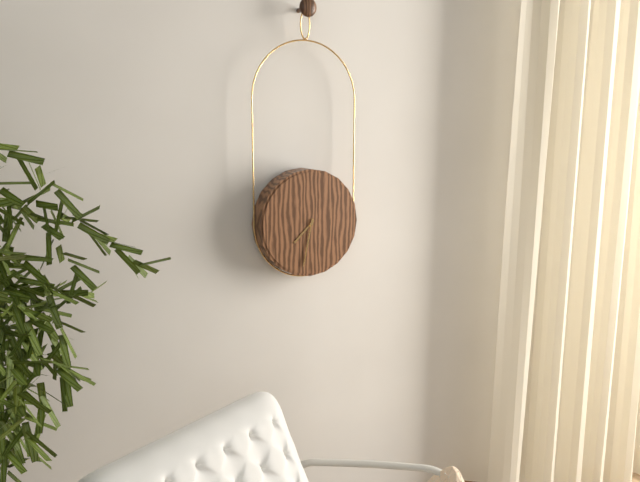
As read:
7.32
